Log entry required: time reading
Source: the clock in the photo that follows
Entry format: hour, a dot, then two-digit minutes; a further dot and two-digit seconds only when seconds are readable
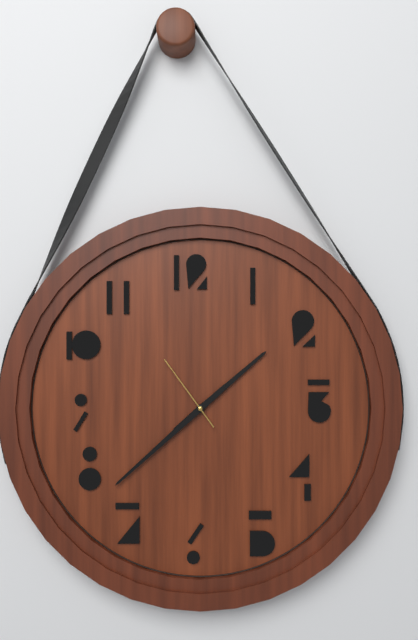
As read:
1.38.54
